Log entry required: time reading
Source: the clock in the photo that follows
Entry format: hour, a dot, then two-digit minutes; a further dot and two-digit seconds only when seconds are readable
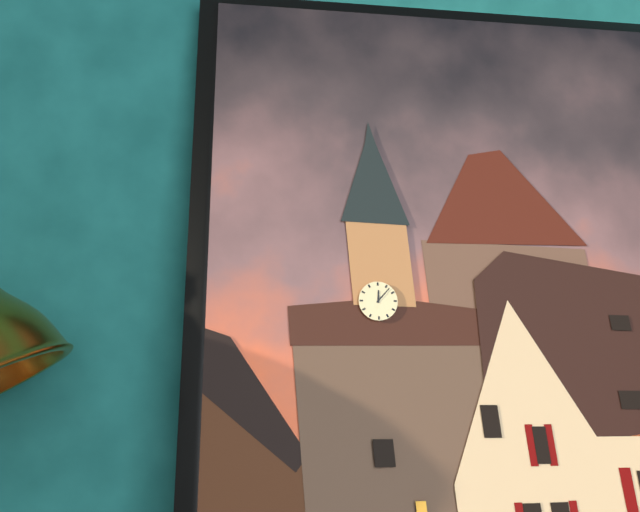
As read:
12.07
